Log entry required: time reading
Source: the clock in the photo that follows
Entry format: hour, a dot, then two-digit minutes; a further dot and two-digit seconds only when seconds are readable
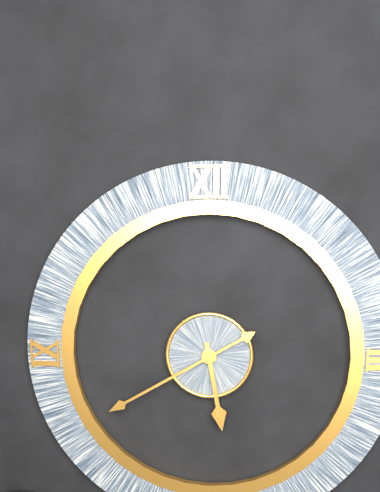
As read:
5.40
